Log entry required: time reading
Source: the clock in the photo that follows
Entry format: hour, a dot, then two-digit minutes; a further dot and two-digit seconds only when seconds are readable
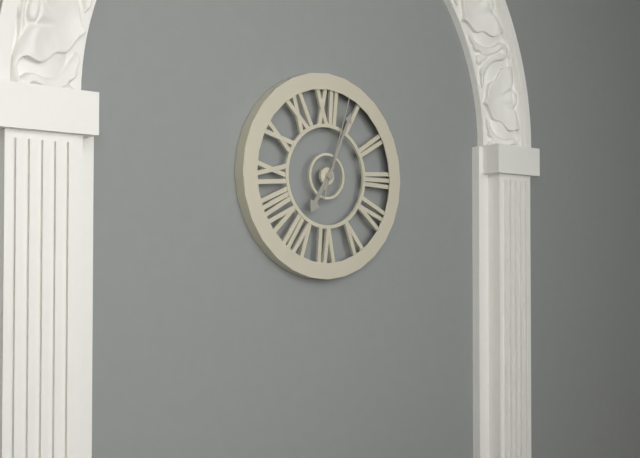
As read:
7.04.03
